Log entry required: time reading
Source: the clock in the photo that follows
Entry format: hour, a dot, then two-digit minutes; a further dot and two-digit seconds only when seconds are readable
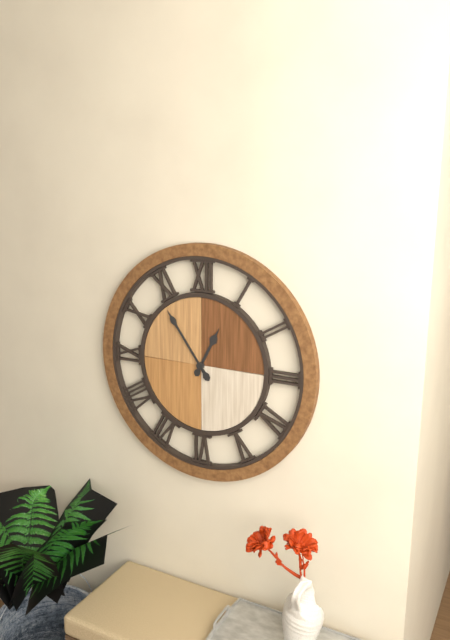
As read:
12.54
